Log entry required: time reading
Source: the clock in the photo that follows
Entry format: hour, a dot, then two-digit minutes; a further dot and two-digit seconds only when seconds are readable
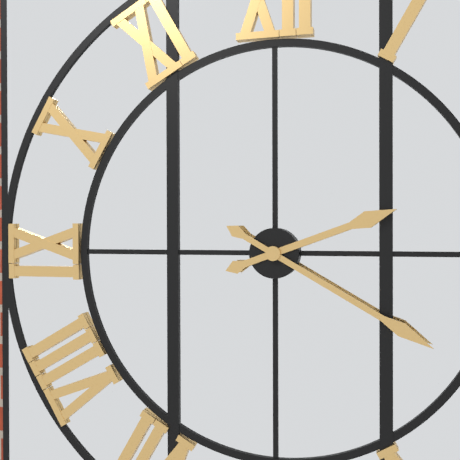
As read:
2.20
